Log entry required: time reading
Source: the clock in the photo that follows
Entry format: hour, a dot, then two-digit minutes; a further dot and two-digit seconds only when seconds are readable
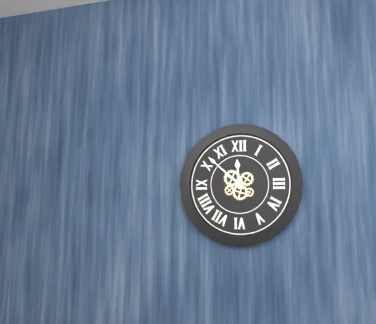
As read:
11.52
